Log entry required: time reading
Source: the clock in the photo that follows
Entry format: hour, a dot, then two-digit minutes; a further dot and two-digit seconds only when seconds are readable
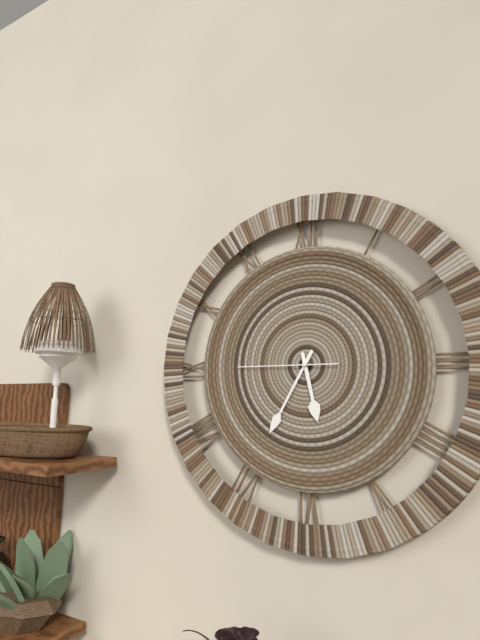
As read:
5.35.45
